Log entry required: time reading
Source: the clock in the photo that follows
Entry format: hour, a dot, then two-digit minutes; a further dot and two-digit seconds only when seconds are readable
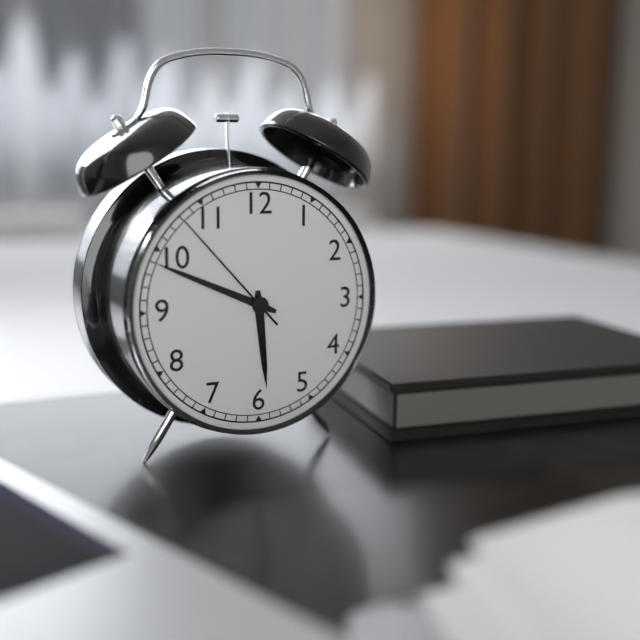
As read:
5.49.53
